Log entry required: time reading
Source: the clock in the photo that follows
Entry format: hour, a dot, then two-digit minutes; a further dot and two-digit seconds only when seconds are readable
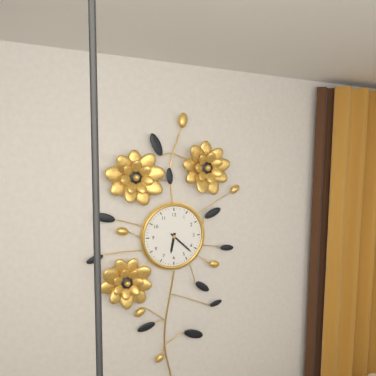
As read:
6.22
